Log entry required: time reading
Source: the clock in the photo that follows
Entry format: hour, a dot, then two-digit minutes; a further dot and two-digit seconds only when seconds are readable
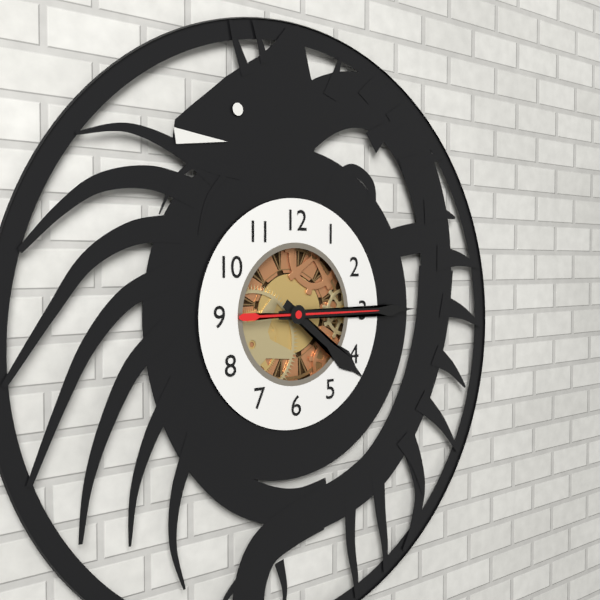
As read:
4.15.15
